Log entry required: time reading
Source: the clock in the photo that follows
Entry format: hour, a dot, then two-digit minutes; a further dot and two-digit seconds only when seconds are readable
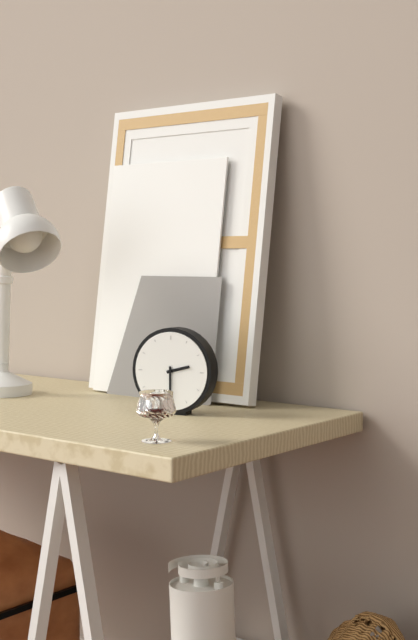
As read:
2.30
